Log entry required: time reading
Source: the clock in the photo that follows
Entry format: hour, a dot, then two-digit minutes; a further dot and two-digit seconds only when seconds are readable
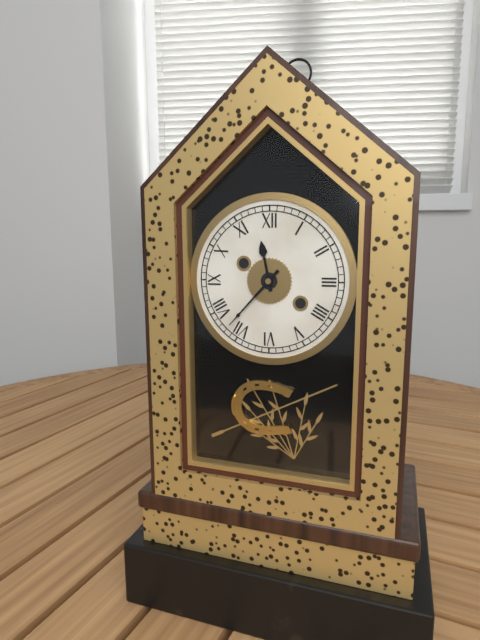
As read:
11.37
